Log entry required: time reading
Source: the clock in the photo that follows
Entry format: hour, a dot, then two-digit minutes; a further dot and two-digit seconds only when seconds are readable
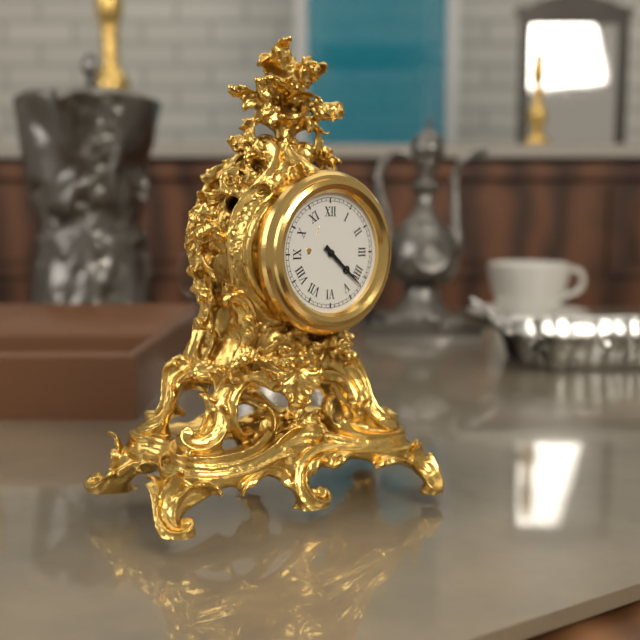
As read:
4.22
